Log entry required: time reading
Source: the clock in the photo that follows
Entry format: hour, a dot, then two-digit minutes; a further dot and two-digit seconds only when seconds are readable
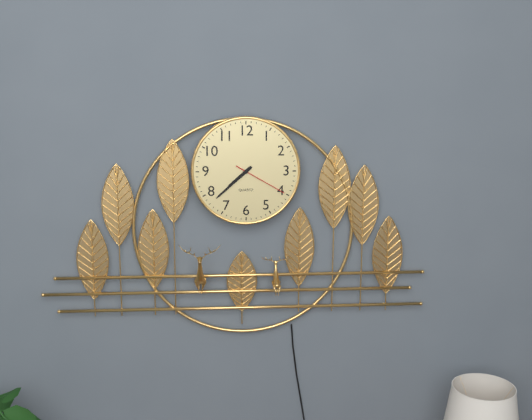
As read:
7.38.20
